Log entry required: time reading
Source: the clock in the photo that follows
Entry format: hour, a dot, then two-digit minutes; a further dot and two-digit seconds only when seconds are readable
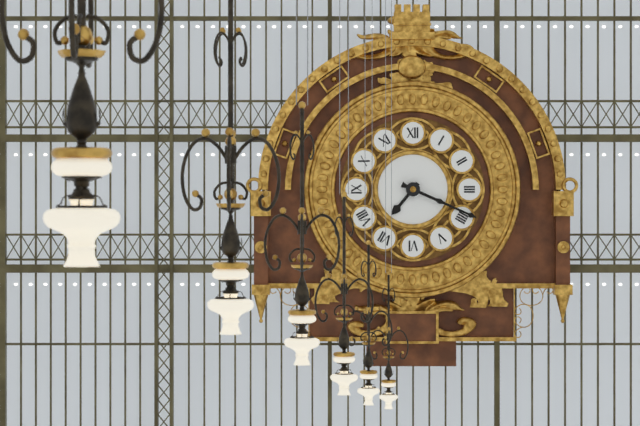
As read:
7.19
